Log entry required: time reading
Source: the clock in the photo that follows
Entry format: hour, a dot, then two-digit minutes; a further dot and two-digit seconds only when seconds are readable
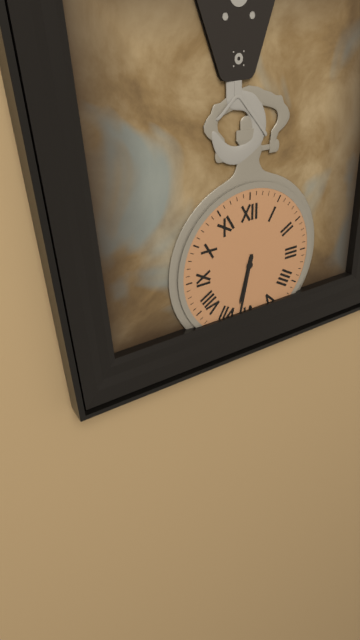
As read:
6.32
